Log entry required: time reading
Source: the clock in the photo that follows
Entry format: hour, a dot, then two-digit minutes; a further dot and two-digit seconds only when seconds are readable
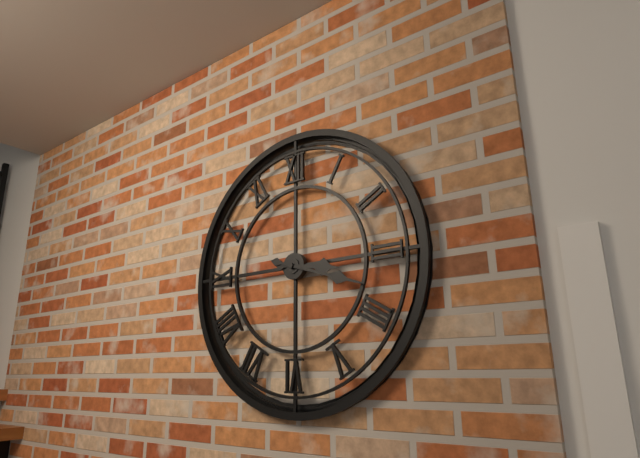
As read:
3.18
